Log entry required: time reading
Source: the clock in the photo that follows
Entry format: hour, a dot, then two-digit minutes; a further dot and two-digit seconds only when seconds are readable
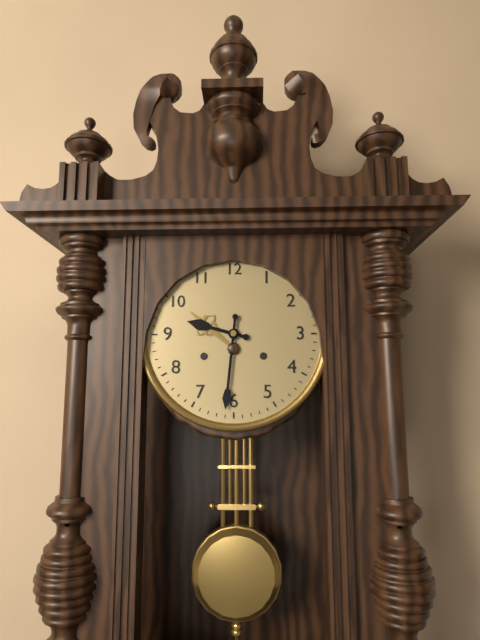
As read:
9.31
